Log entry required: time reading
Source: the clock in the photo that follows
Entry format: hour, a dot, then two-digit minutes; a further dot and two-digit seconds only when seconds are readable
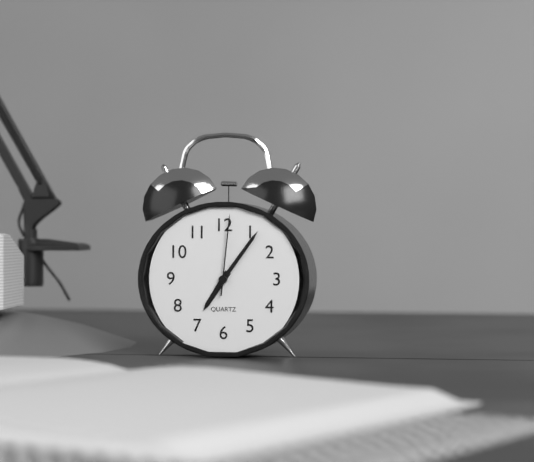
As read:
7.06.01
